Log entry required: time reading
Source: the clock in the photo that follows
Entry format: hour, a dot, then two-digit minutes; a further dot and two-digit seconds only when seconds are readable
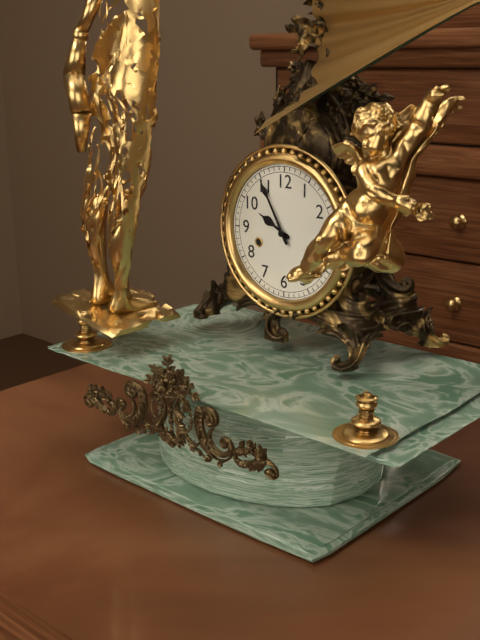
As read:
9.55
